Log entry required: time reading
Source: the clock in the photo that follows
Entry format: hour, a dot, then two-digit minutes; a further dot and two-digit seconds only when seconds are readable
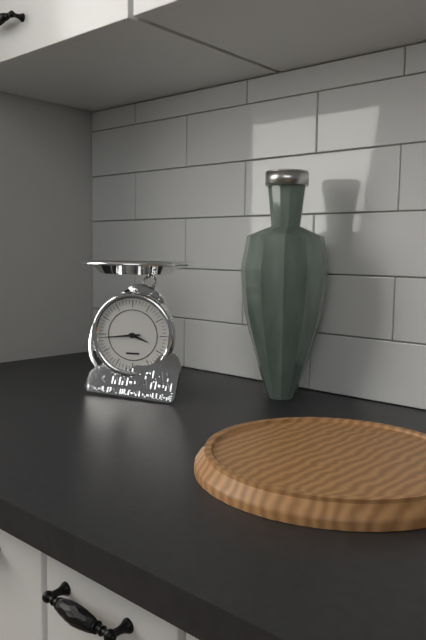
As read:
3.44
